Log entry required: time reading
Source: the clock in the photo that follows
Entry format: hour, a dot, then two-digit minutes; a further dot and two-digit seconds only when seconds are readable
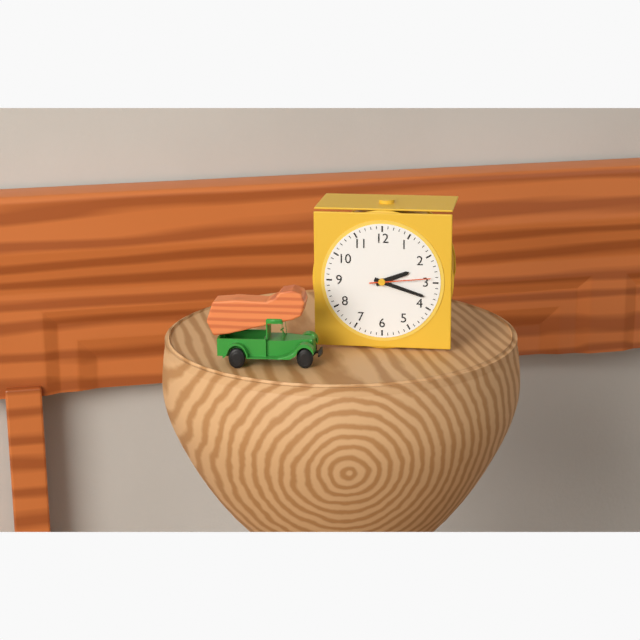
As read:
2.18.14
